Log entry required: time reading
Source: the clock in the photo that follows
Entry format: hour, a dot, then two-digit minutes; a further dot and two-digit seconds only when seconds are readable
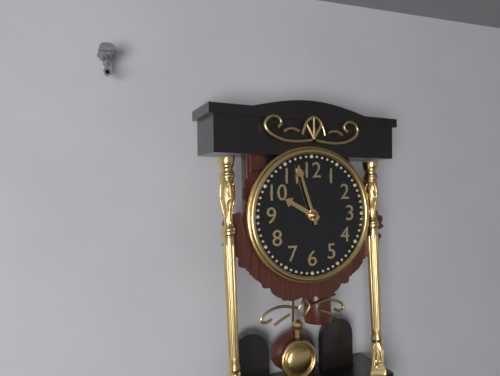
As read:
9.57
